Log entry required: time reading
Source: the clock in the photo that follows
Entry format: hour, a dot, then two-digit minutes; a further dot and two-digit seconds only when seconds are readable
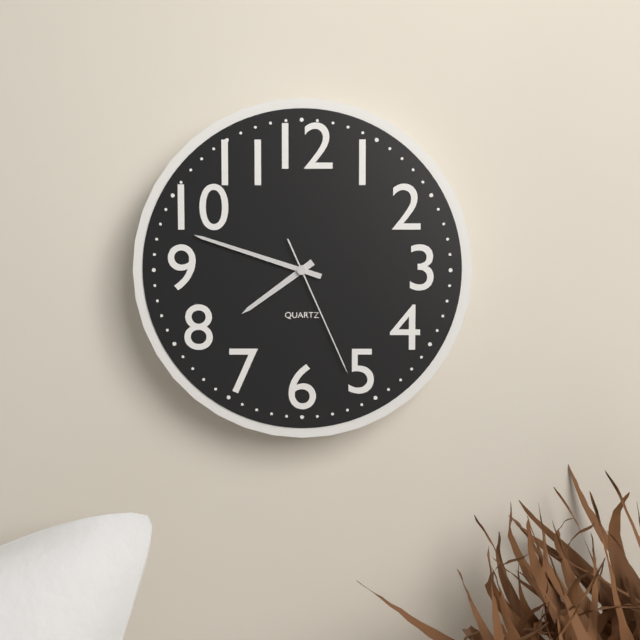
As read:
7.48.26
